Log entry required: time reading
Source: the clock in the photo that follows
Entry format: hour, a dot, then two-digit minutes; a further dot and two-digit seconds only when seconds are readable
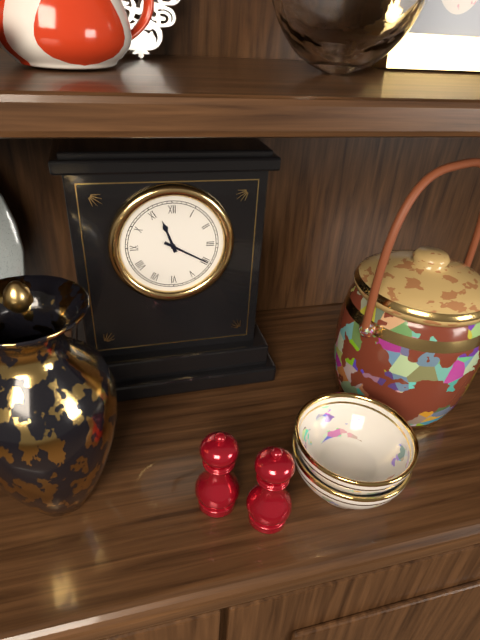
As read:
11.20
